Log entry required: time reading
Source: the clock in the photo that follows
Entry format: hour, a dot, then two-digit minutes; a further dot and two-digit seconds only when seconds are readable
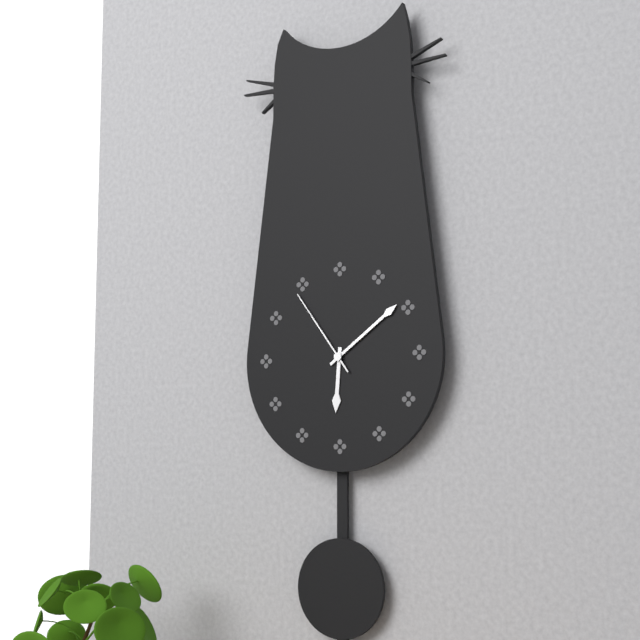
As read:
6.09.54
